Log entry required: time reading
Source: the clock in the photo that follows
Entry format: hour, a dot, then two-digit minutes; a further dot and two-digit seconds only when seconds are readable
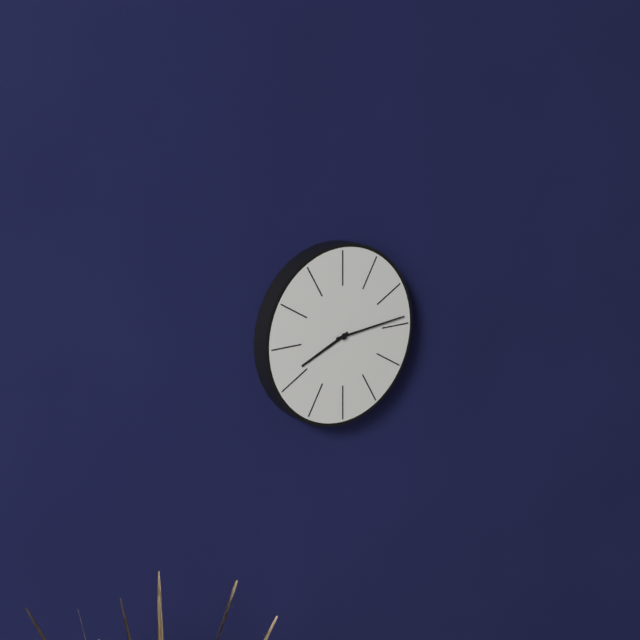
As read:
8.14
